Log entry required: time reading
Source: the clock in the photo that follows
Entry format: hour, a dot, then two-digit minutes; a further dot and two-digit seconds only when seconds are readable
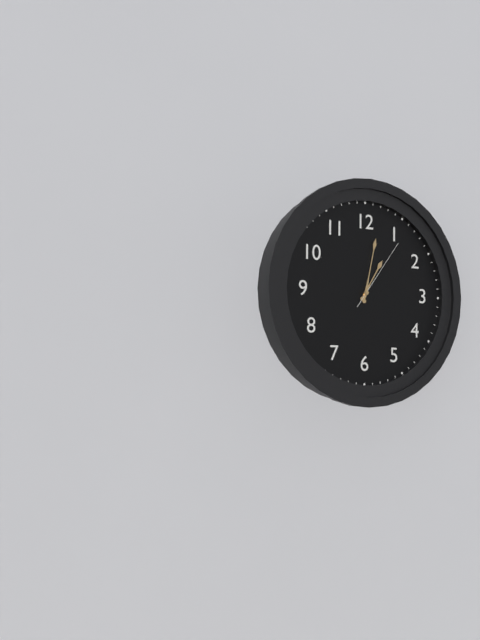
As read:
1.02.06
